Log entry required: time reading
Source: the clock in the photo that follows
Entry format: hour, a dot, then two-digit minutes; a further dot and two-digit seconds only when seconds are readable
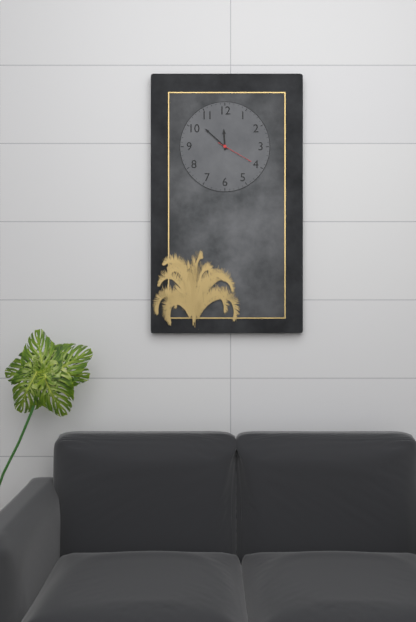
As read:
11.52
